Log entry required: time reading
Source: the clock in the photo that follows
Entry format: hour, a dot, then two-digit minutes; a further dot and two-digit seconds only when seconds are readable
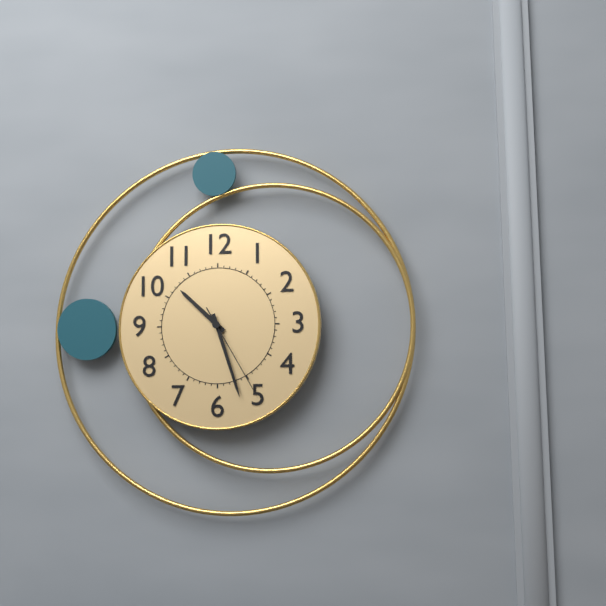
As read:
10.27.25
